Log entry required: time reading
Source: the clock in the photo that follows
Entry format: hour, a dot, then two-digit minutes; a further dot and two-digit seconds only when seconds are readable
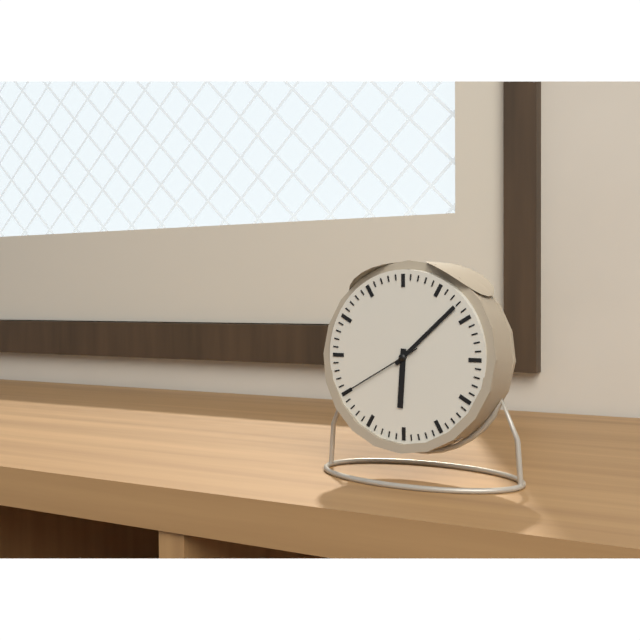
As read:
6.08.40
